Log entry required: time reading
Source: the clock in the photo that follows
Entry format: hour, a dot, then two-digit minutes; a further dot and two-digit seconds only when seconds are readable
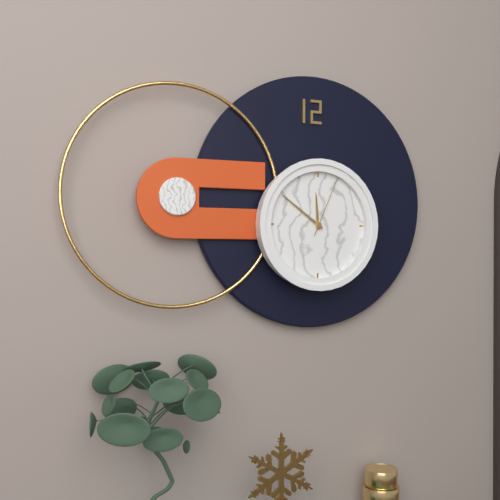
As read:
11.51.04
